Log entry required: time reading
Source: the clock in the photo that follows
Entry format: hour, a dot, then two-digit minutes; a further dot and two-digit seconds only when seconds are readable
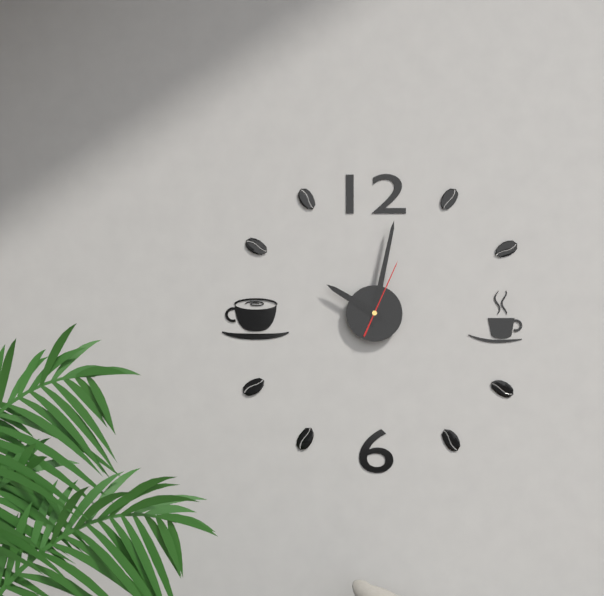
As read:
10.02.04
